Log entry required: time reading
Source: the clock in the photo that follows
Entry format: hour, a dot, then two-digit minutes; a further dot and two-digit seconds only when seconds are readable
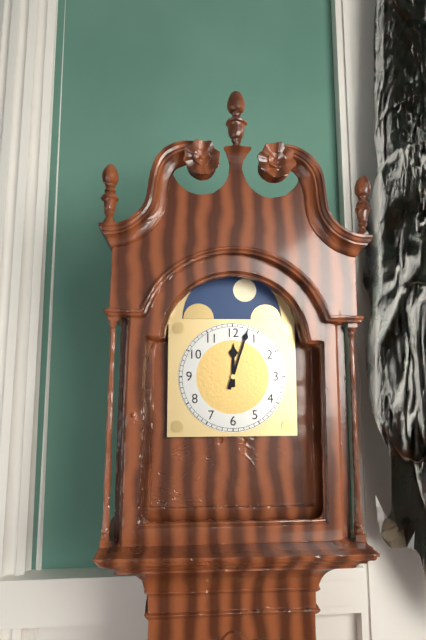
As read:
12.03
